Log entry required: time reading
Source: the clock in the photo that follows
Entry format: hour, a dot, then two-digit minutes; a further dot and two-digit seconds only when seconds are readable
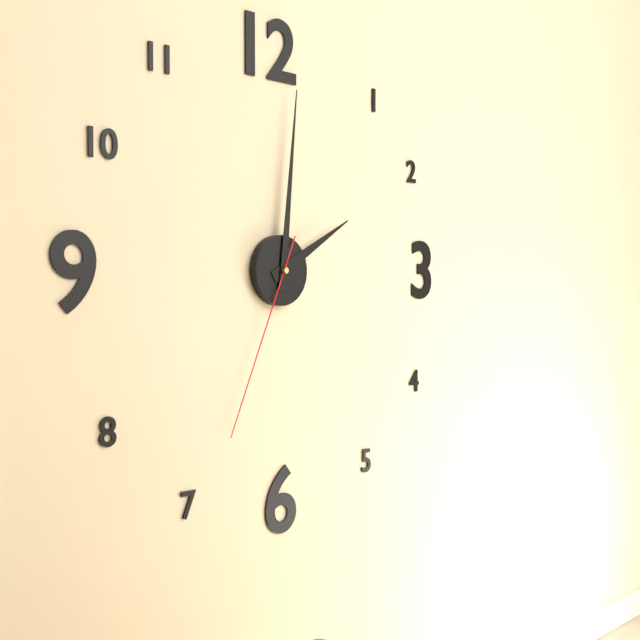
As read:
2.01.34
